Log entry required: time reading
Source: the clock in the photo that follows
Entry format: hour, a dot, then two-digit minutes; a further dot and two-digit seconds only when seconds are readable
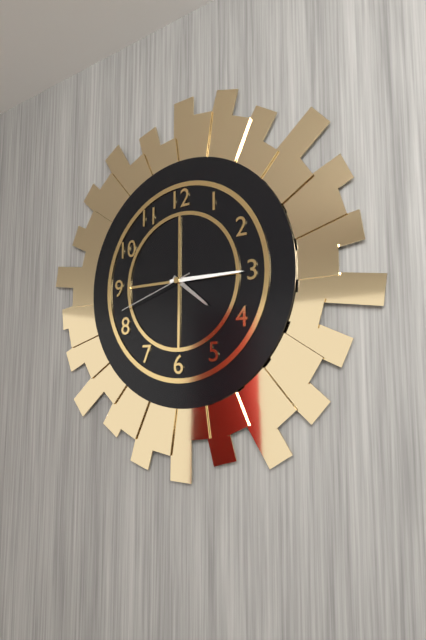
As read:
4.15.42
